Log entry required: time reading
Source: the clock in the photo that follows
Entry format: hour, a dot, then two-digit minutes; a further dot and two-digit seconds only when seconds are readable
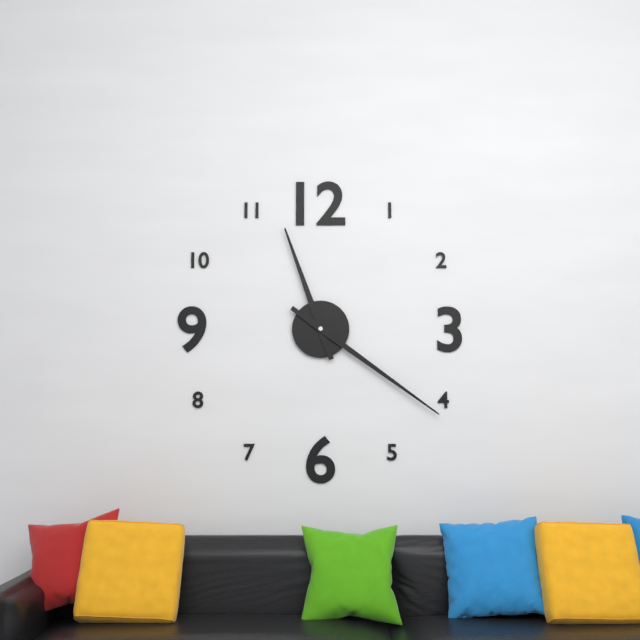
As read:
11.21
